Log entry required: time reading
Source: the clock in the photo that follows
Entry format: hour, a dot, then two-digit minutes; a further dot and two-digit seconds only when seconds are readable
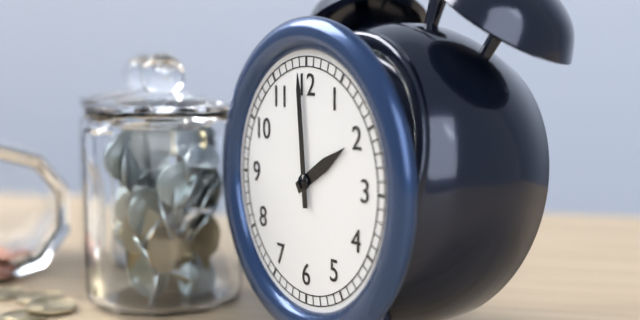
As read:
1.59
